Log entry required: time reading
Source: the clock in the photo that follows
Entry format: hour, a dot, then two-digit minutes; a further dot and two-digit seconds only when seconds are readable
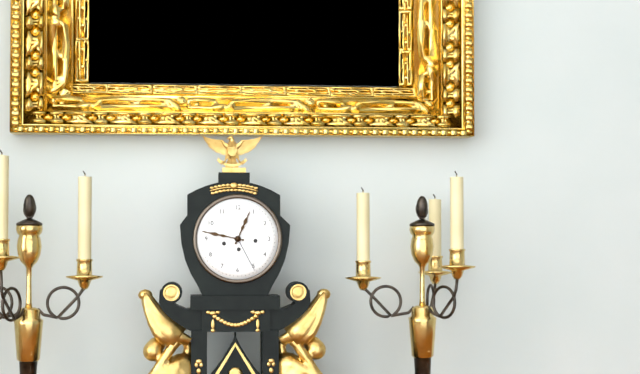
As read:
12.47
